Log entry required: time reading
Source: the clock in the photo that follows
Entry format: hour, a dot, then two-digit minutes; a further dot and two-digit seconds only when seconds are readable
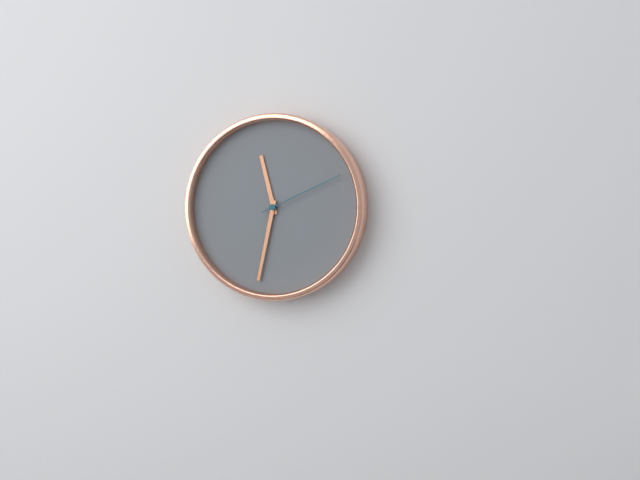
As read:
11.32.11
